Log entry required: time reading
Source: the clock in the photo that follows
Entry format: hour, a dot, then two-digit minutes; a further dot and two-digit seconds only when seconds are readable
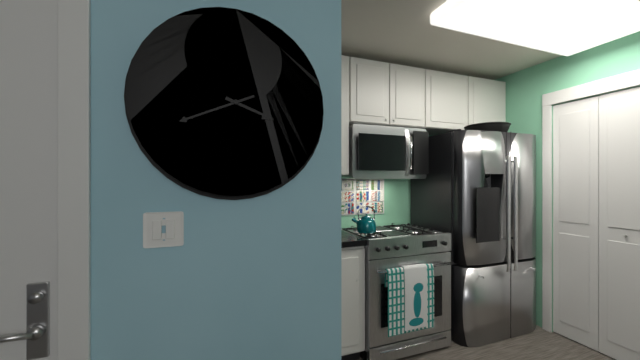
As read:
3.41
